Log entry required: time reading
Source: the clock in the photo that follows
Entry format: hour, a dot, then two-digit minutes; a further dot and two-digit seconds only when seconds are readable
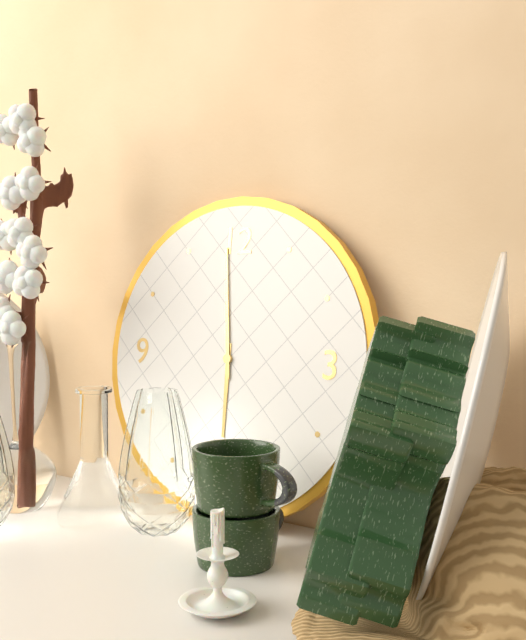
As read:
5.59
